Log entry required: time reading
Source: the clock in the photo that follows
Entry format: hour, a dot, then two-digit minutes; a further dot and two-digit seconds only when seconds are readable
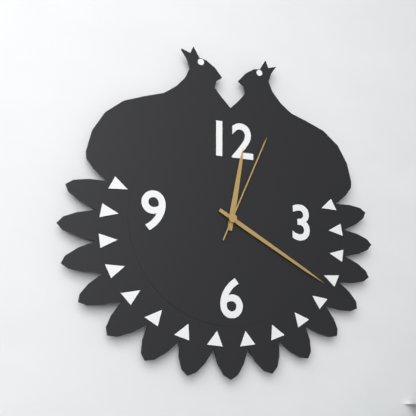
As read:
12.20.04
